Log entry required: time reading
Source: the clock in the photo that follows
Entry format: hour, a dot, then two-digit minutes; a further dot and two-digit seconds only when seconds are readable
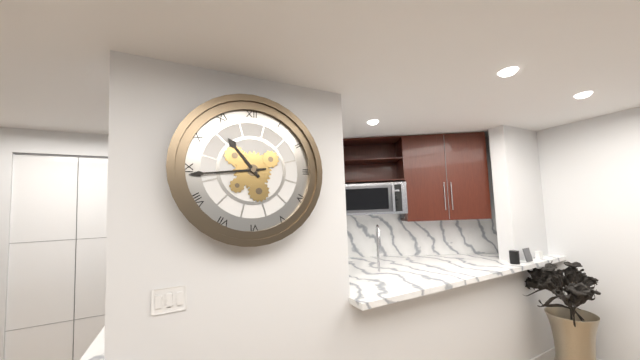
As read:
10.44
